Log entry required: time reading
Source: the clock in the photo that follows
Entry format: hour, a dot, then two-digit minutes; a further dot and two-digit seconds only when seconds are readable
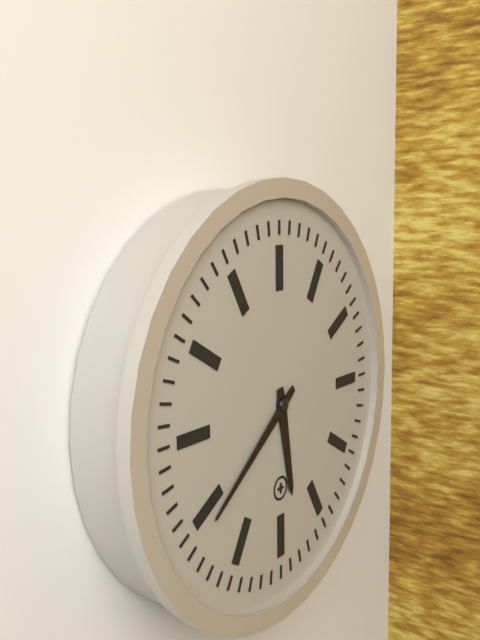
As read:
5.39
